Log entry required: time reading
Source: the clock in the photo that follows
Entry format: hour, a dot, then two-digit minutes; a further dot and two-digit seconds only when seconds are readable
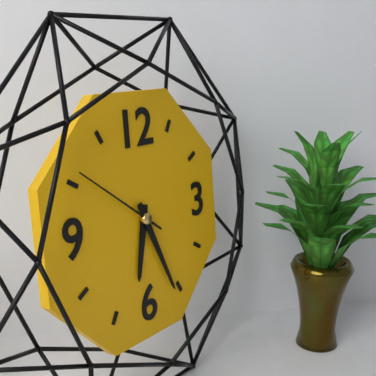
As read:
6.26.51
